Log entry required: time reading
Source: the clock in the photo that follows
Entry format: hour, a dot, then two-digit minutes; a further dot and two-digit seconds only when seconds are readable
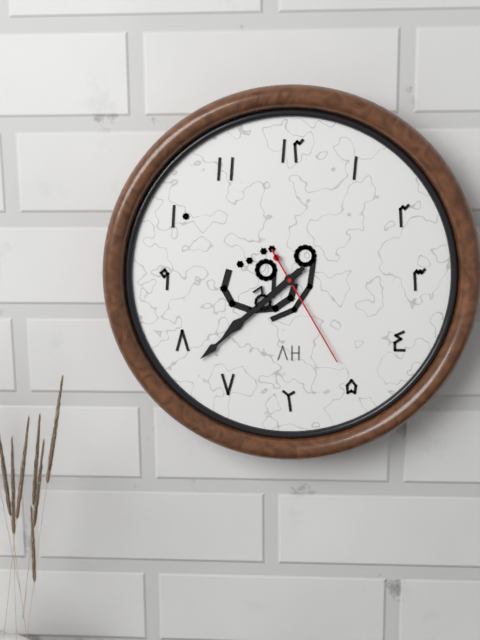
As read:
7.38.25
